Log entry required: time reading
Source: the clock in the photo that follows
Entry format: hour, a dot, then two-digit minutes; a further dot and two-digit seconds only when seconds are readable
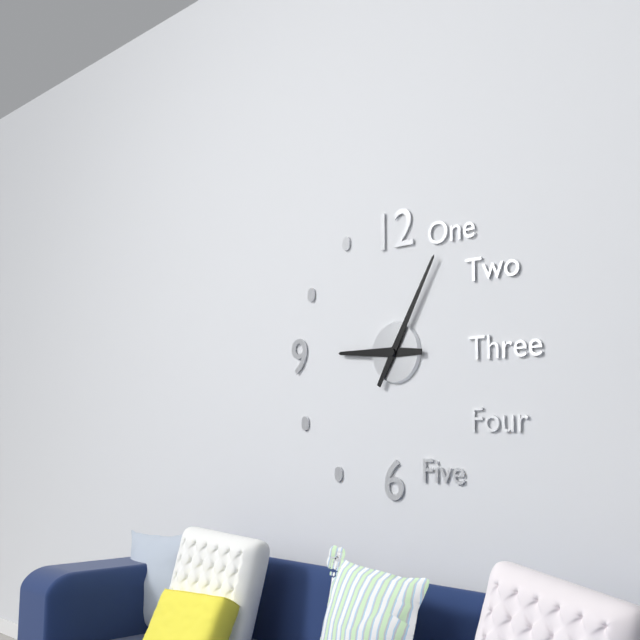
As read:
9.05
